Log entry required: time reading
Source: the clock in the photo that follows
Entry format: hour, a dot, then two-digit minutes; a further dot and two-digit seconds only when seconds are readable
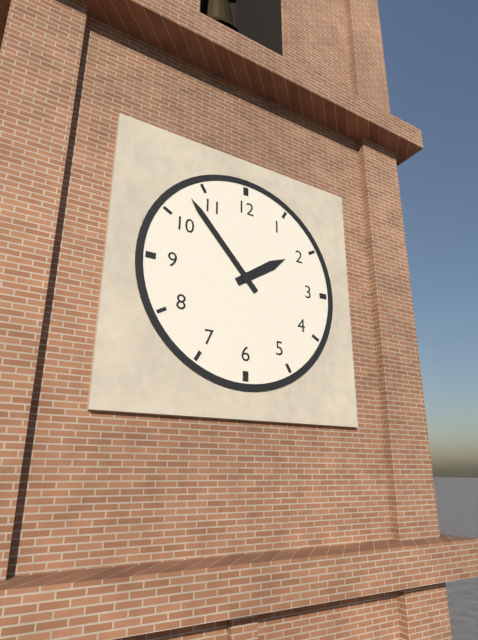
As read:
1.53
